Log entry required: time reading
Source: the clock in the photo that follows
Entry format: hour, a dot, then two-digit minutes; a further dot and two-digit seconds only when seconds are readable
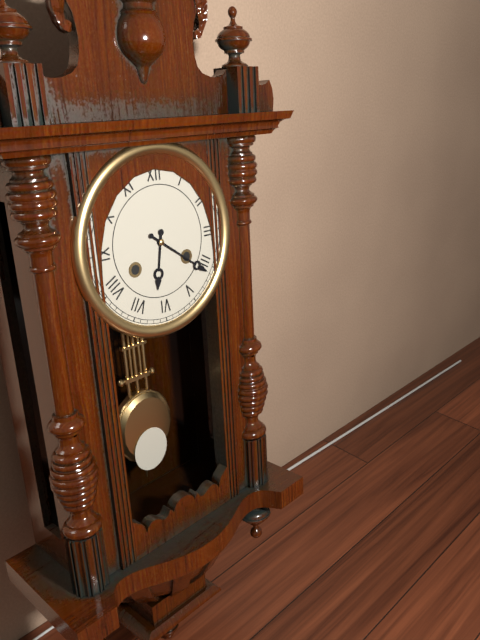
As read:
6.21
